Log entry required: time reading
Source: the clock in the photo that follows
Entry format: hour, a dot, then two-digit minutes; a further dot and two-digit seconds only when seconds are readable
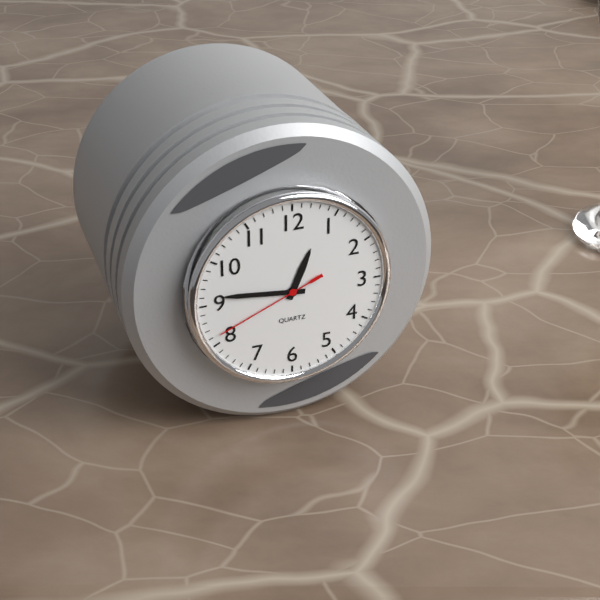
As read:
12.46.41
